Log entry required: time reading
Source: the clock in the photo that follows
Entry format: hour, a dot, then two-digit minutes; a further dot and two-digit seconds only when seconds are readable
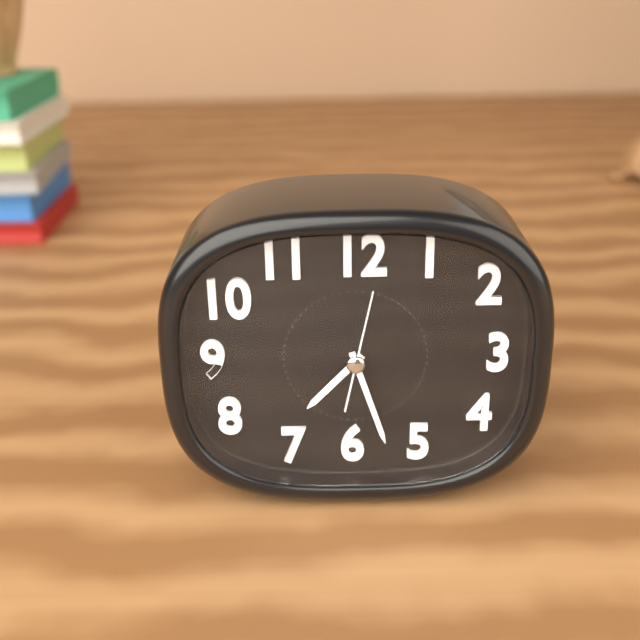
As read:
7.27.02
